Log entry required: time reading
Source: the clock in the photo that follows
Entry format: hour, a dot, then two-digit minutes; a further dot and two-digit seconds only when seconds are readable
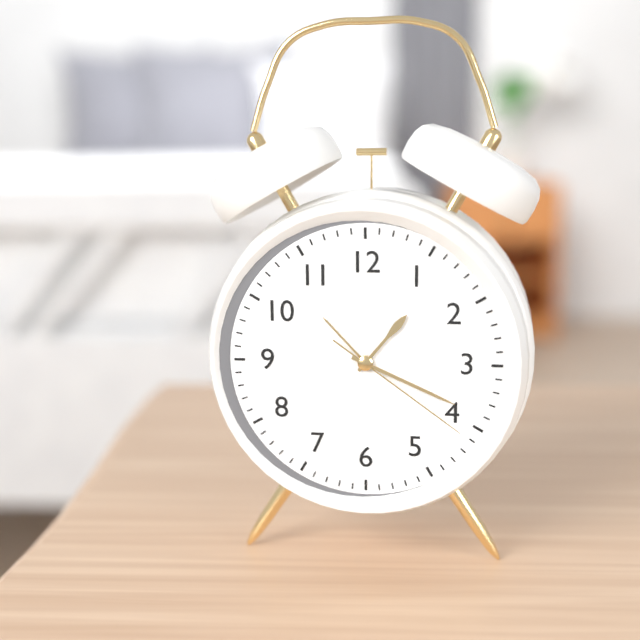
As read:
1.19.21
